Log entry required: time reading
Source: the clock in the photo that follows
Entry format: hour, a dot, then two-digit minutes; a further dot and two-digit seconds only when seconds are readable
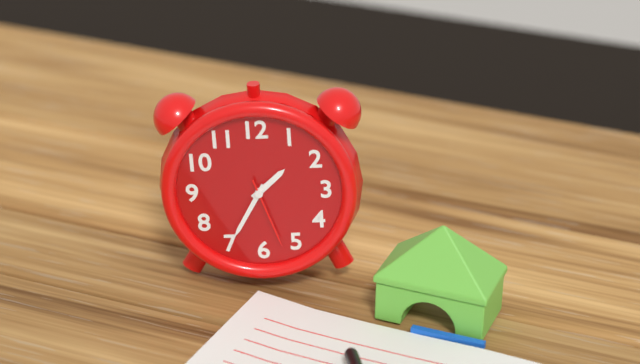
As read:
1.35.27
